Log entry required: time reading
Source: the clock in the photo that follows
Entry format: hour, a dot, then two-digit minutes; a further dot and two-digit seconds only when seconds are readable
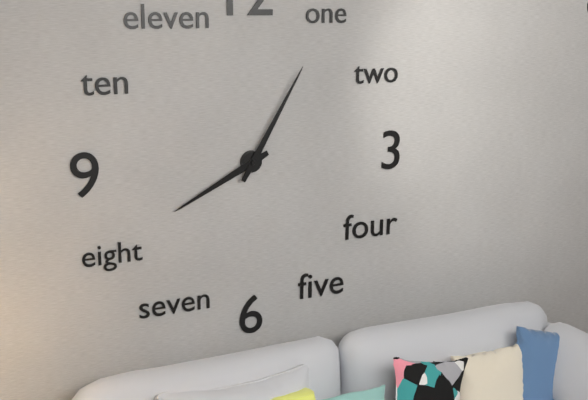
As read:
8.05
